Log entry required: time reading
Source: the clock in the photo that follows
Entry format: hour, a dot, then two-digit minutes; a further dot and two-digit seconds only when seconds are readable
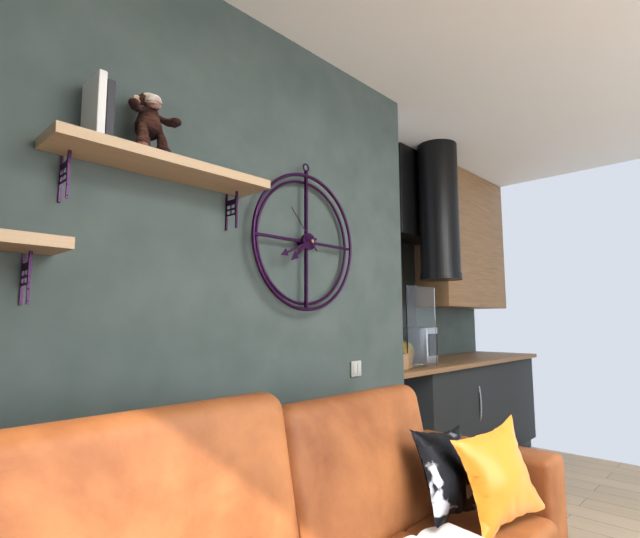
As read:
7.41.53
